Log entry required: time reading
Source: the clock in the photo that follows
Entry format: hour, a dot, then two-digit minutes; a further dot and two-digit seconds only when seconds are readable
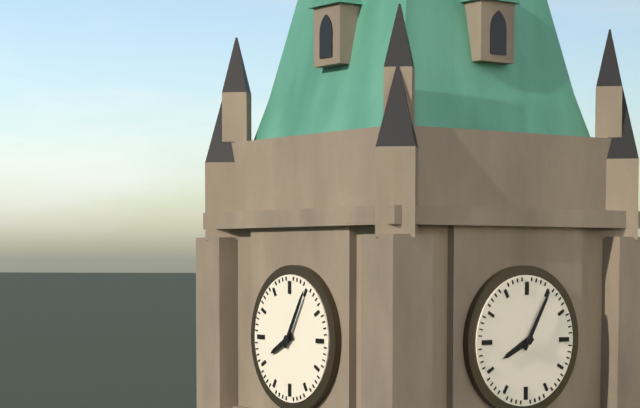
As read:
8.05
